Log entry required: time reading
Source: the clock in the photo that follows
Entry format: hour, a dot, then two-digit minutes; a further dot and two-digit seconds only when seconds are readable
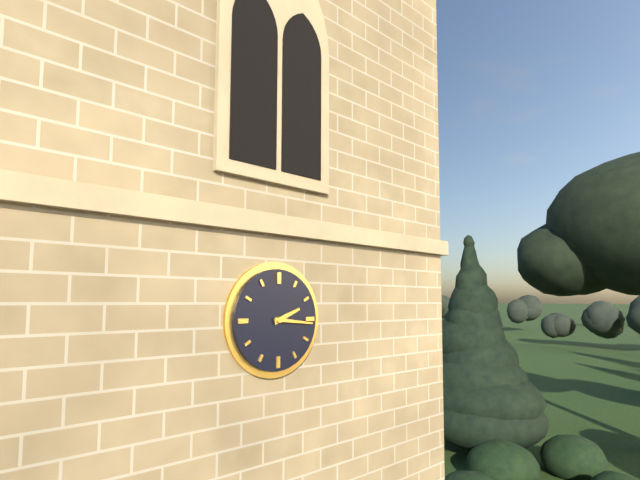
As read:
2.16
